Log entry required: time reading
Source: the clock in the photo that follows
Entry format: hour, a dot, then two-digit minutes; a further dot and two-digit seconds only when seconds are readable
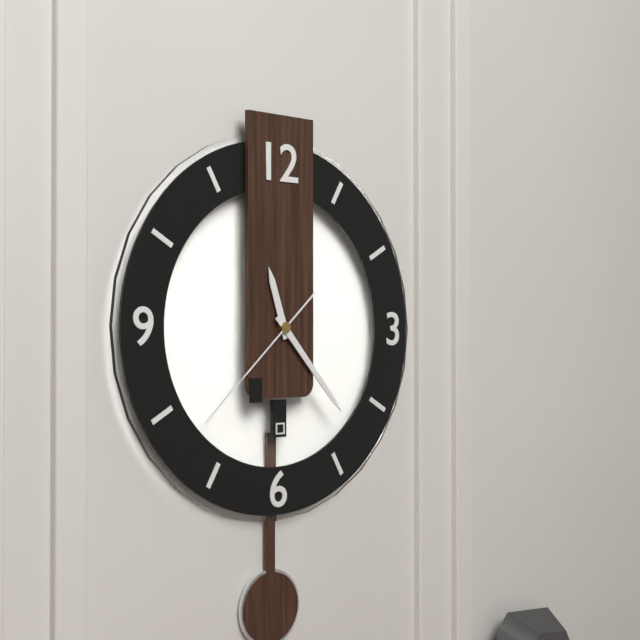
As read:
11.23.38
